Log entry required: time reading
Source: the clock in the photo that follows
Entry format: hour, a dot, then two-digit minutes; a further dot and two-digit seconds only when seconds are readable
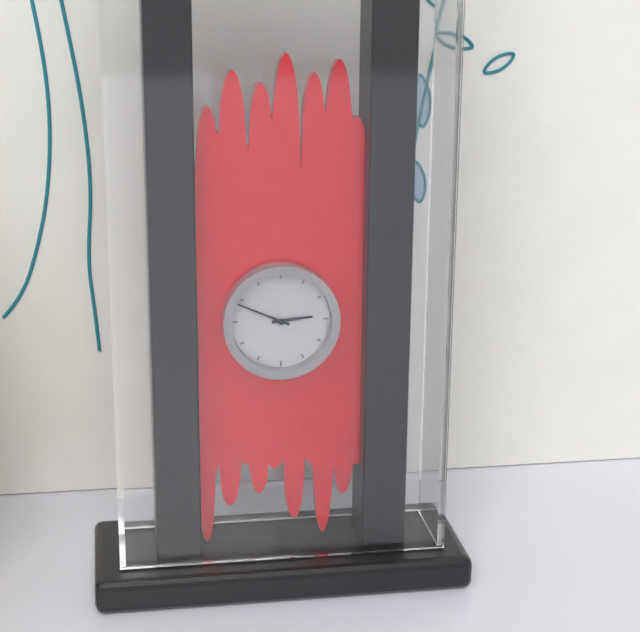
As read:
2.49
